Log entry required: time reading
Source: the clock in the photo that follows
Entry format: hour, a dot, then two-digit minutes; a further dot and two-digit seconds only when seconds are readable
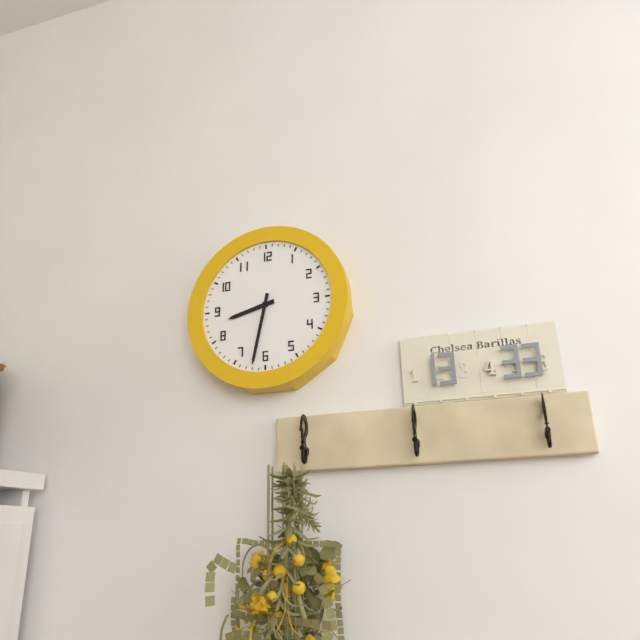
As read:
8.32
